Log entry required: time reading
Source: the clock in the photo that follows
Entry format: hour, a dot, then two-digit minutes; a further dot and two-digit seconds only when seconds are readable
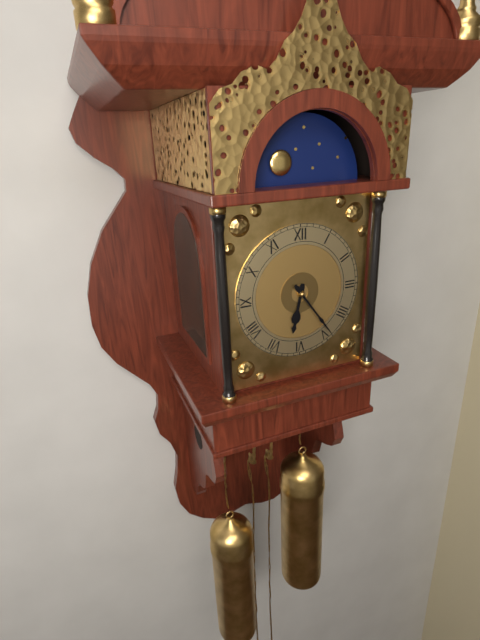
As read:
6.24
